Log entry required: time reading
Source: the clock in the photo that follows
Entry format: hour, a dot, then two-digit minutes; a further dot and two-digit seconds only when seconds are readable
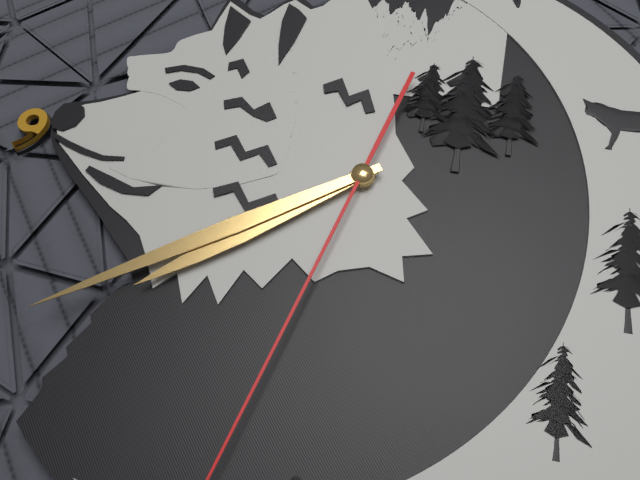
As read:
7.39
